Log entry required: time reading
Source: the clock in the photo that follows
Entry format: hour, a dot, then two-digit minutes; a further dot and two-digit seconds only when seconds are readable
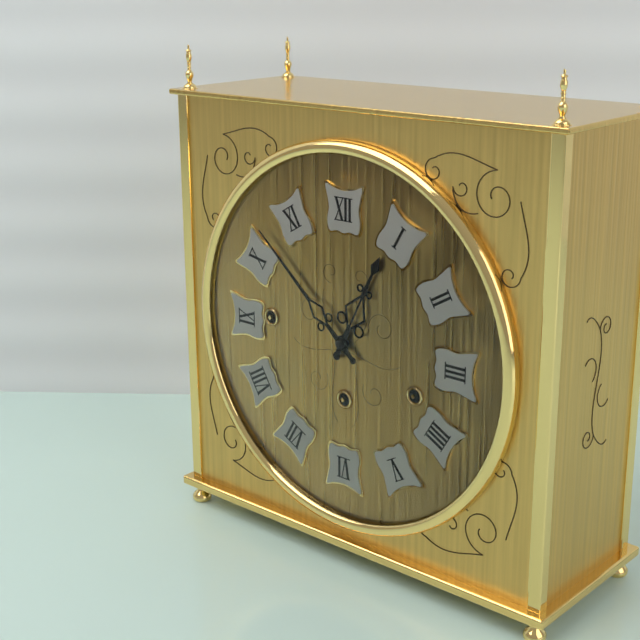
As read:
12.52
